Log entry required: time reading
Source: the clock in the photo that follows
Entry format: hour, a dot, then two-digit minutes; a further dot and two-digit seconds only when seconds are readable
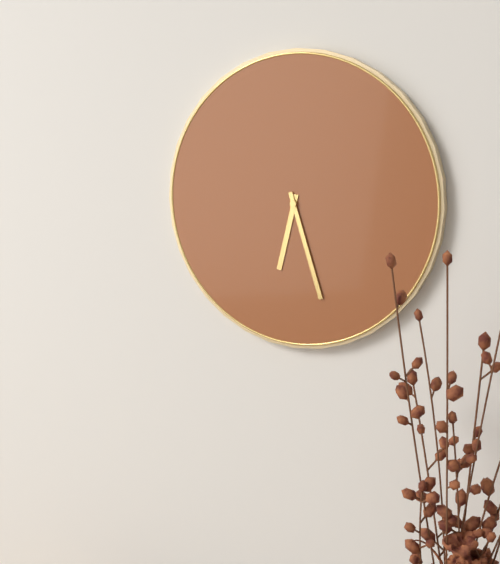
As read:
6.27
